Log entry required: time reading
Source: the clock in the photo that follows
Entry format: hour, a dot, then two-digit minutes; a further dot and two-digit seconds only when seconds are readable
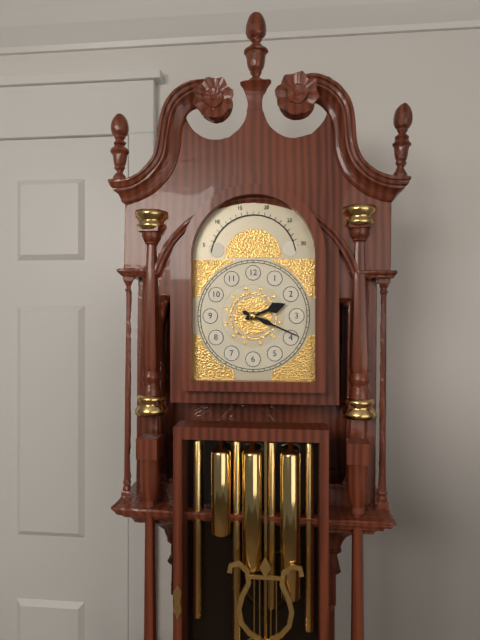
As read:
2.19
